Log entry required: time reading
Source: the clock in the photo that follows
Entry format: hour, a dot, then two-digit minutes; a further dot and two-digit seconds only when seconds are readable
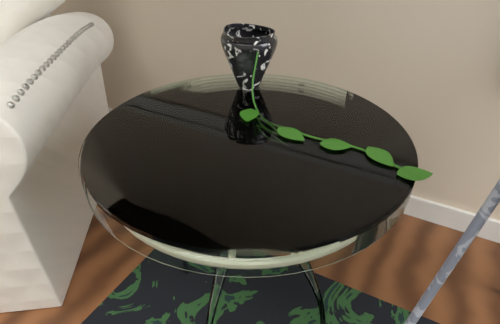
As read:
6.46
